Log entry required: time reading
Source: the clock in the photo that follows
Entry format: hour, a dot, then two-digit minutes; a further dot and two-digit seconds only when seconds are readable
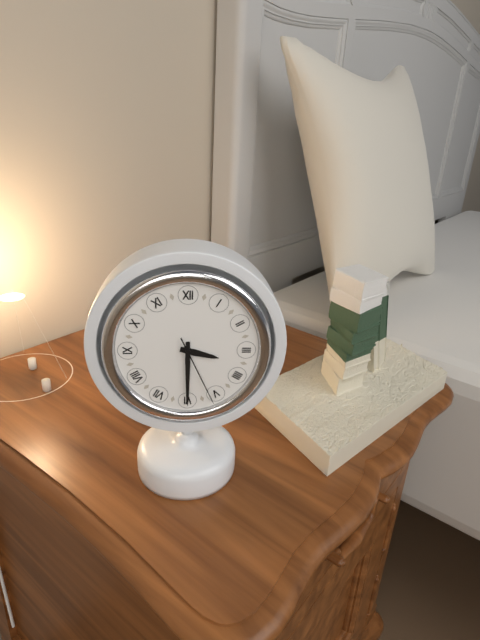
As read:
3.30.26
